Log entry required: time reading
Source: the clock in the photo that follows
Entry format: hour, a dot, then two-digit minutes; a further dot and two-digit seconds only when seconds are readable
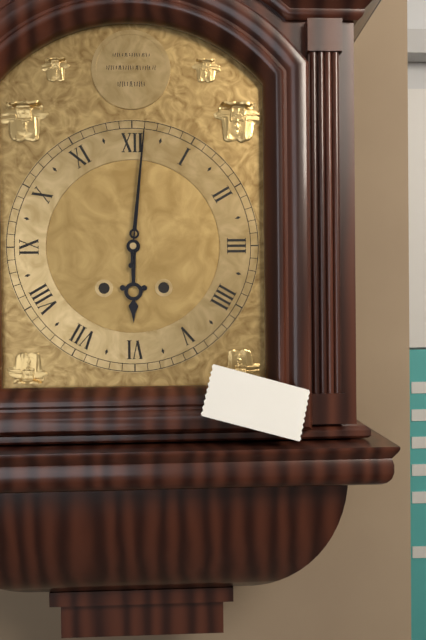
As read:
6.01
